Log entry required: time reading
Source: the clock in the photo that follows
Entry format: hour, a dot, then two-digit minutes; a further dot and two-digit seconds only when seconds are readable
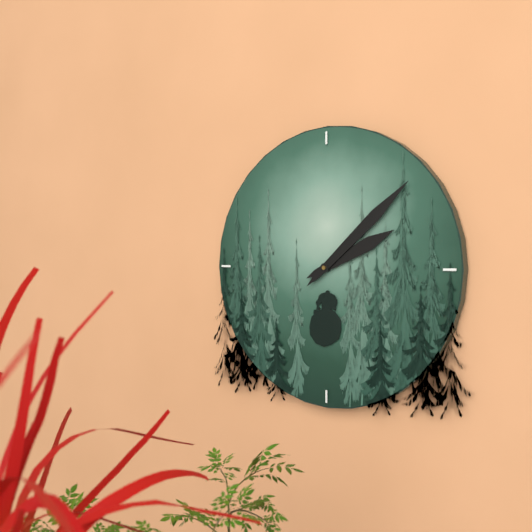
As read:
2.08
